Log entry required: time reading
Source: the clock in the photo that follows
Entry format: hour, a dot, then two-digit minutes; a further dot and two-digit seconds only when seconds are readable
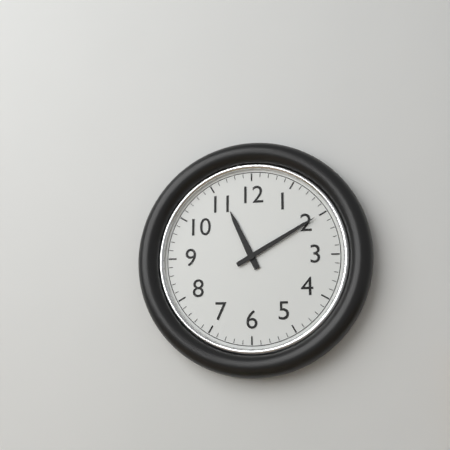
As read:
11.10
